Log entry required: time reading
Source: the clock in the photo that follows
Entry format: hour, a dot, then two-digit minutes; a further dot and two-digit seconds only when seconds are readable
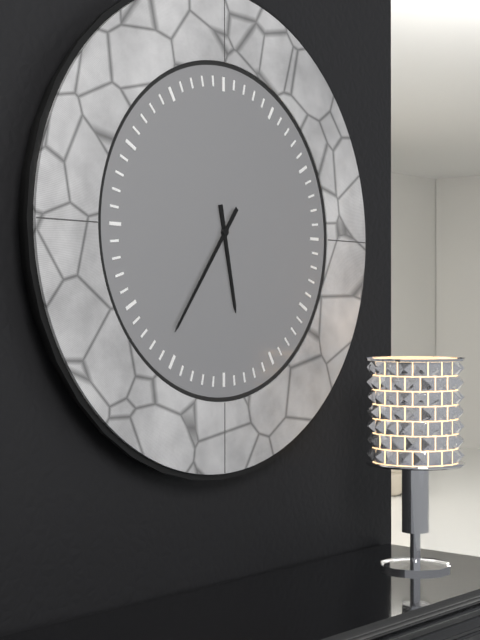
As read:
5.36
